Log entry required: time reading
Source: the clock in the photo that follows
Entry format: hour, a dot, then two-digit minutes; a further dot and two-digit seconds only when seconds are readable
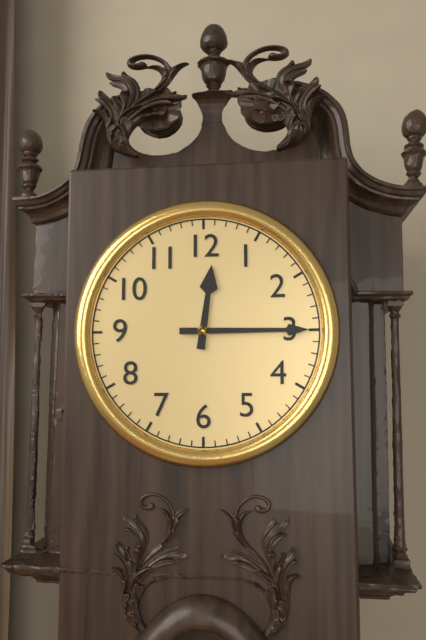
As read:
12.15
